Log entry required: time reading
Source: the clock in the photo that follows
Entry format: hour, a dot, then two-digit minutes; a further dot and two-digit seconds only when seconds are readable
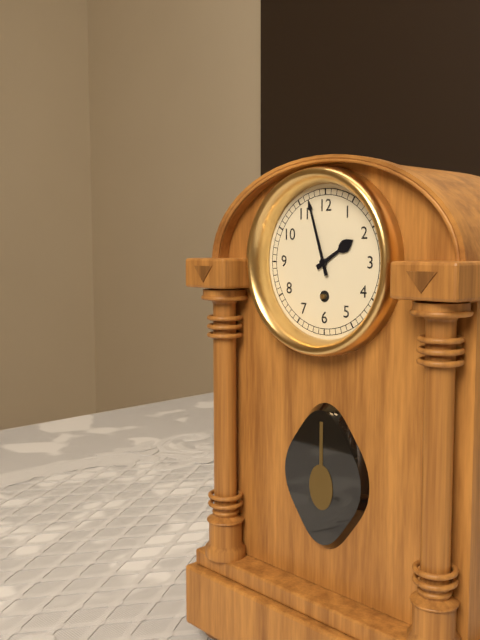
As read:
1.57
